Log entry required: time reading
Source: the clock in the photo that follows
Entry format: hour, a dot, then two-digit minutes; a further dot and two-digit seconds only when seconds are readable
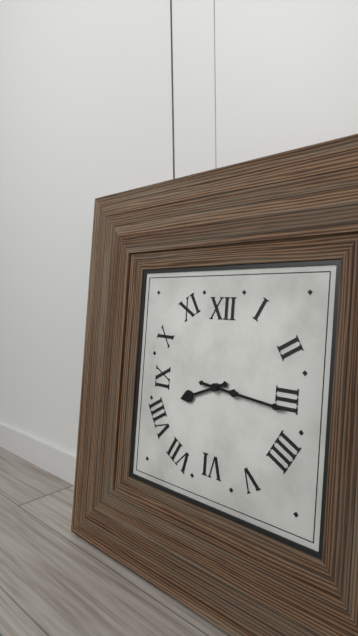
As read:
8.16
